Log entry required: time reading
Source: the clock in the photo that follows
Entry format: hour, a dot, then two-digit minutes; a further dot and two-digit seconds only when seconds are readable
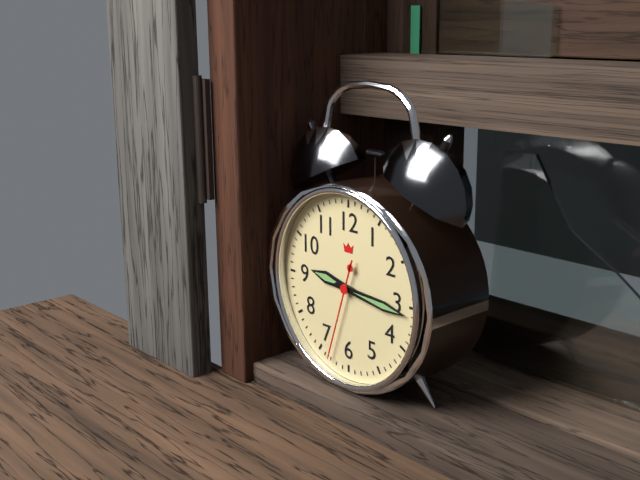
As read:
9.16.33
